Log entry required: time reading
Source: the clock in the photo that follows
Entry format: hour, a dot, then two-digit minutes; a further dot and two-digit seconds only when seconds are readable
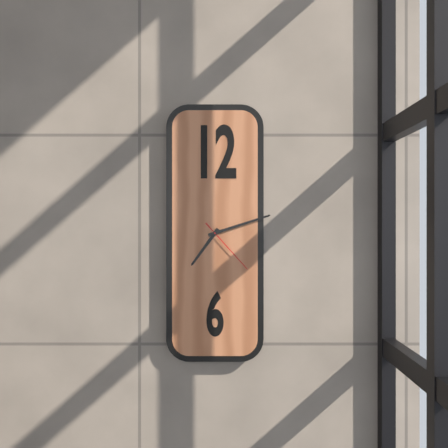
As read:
7.12.23
